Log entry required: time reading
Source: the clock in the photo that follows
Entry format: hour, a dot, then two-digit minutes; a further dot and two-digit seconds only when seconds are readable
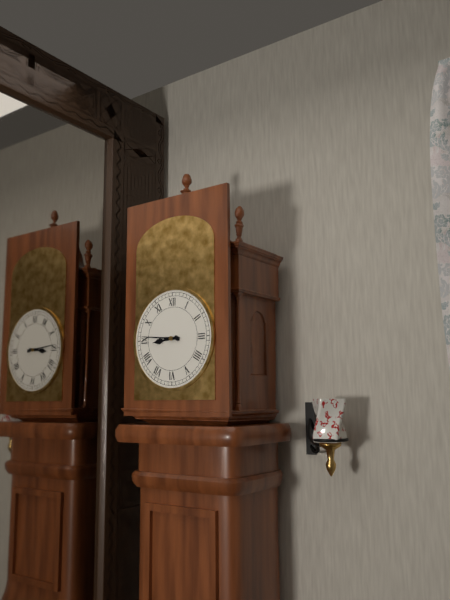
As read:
8.46
